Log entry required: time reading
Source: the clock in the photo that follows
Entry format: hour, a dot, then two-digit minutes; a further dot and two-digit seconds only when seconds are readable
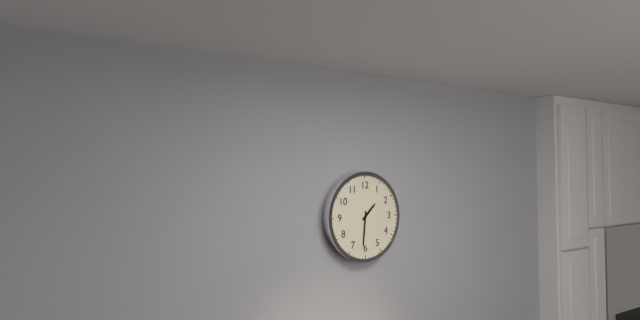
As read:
1.31
